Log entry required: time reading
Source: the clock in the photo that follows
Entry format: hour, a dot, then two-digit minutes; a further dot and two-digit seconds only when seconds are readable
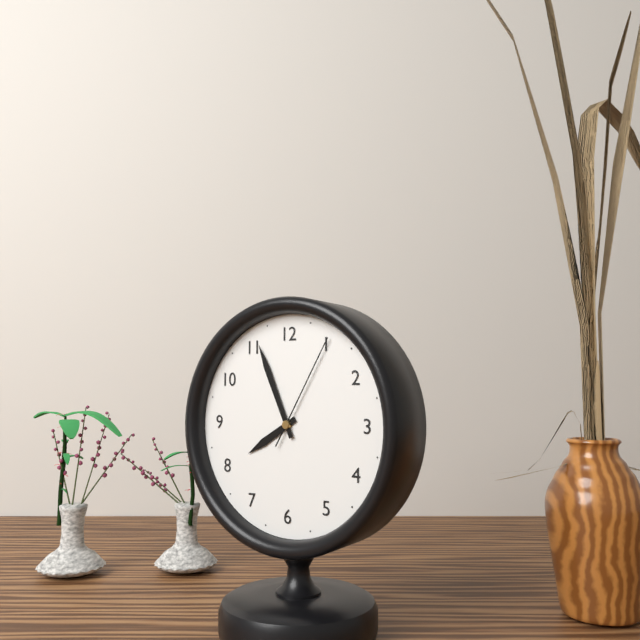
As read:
7.56.05
